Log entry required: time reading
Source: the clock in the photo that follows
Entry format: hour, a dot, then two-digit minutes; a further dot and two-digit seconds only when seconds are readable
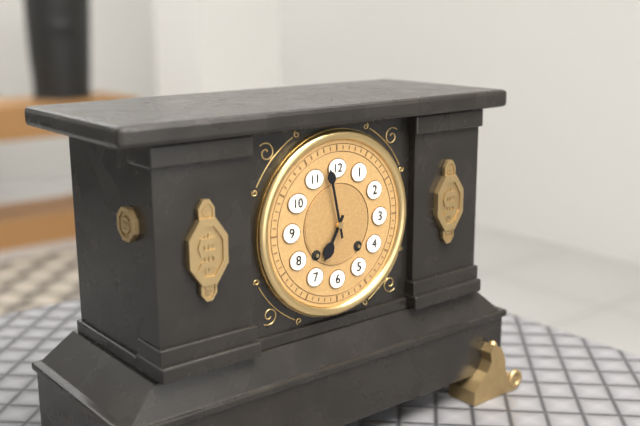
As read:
6.58
